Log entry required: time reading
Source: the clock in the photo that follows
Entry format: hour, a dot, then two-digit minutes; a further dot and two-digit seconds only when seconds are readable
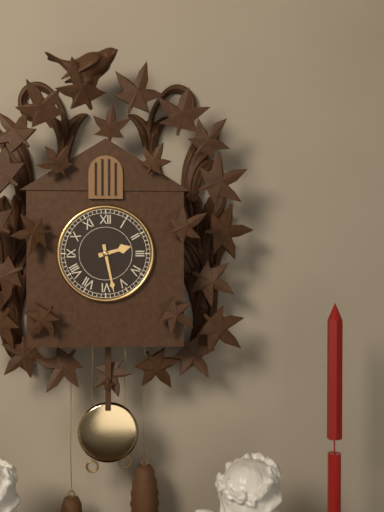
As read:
2.28
